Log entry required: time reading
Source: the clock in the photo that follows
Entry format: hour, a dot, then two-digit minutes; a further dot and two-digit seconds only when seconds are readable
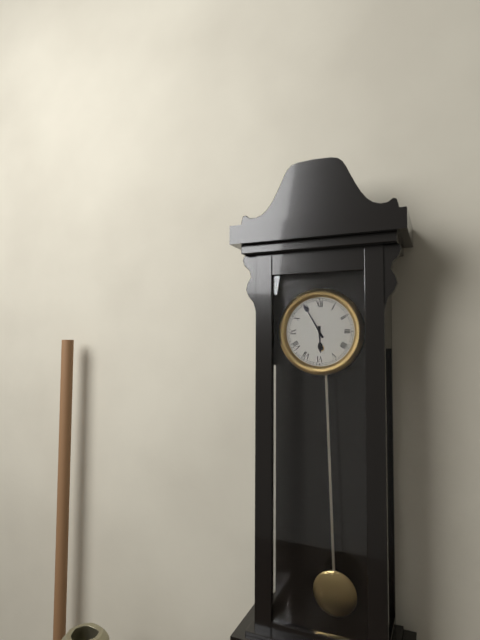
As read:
5.55
